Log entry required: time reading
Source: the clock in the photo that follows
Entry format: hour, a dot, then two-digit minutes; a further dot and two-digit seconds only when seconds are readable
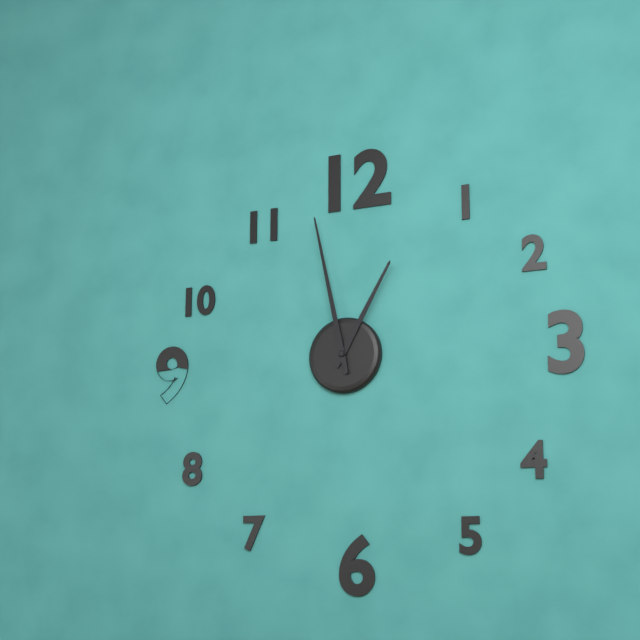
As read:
12.58
